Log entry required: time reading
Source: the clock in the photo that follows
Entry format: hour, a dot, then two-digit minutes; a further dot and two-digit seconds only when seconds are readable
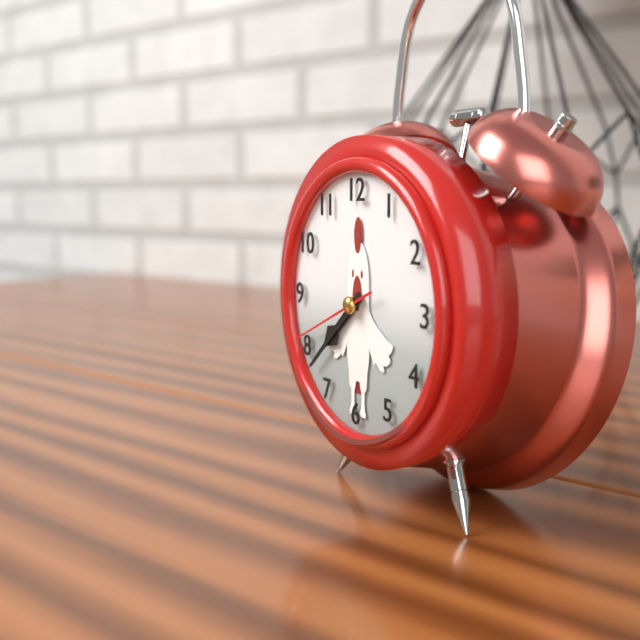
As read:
7.38.41
